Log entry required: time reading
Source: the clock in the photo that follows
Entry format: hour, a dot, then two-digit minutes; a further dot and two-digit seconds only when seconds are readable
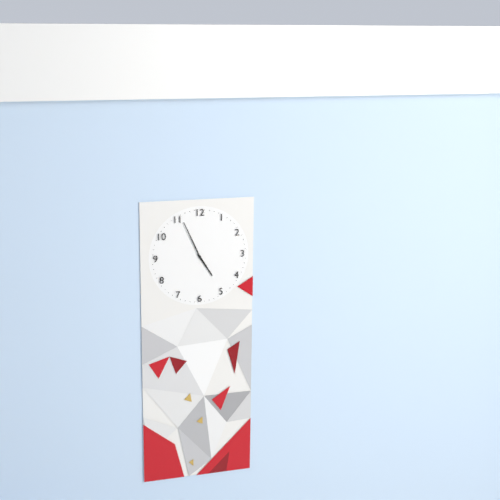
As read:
4.56
